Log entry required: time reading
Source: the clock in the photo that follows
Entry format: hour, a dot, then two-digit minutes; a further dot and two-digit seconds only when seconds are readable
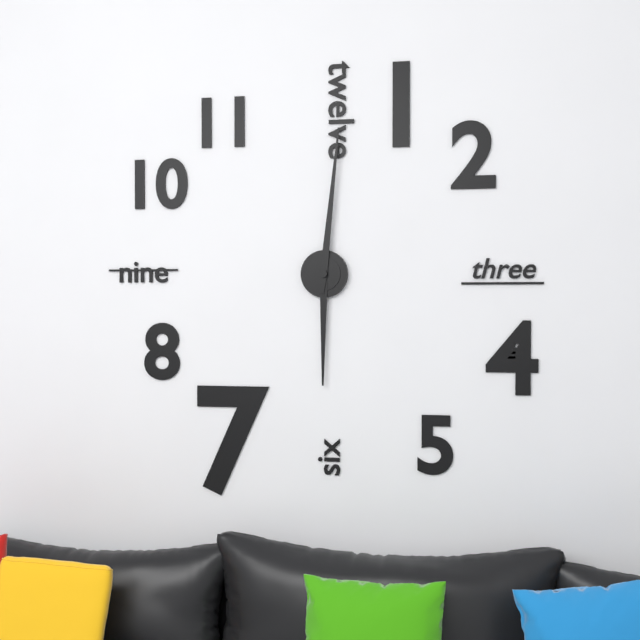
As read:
6.01
